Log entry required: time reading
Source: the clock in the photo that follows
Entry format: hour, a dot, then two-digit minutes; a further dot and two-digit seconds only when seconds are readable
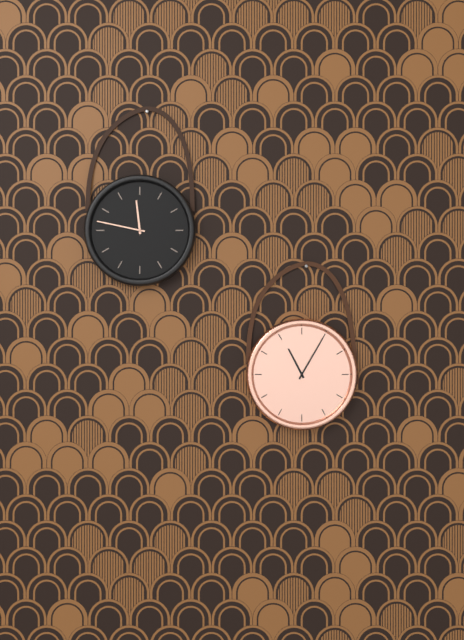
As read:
11.05
